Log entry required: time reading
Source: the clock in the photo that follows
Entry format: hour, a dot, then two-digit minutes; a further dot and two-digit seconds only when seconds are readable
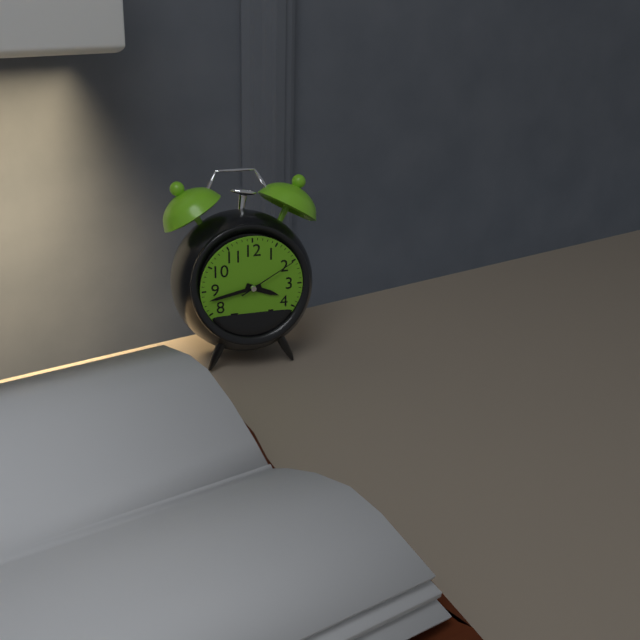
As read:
3.43.10
